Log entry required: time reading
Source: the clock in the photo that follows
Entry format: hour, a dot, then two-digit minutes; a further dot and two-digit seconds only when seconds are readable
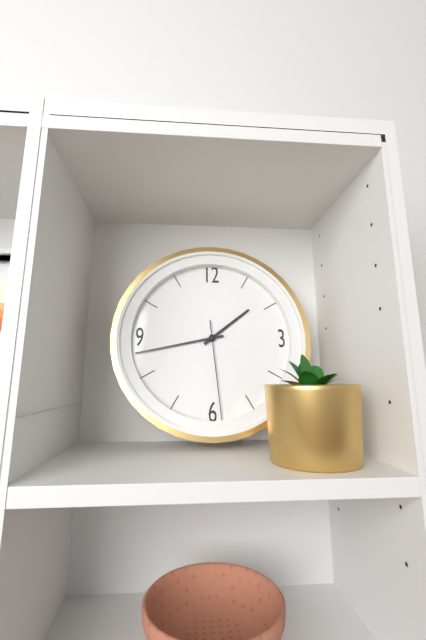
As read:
1.43.29
